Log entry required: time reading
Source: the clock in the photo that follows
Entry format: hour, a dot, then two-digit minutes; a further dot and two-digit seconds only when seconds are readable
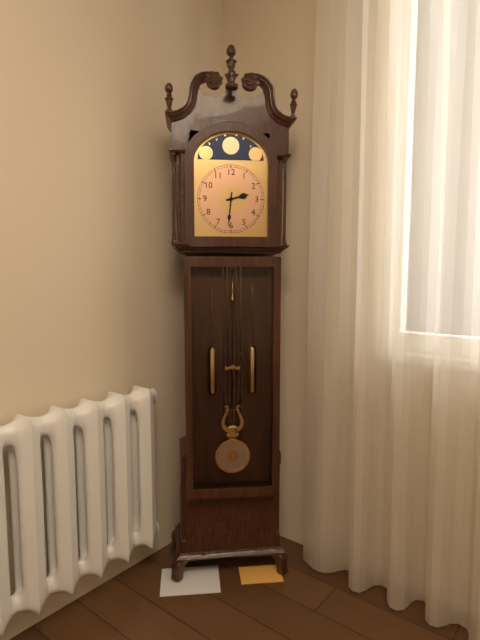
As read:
2.31
